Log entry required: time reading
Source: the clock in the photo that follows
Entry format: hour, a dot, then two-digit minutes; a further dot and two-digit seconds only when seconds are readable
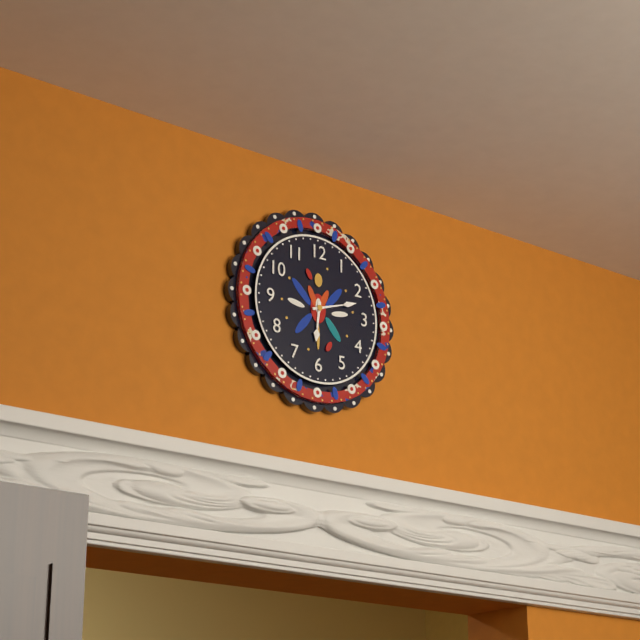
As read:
6.12
